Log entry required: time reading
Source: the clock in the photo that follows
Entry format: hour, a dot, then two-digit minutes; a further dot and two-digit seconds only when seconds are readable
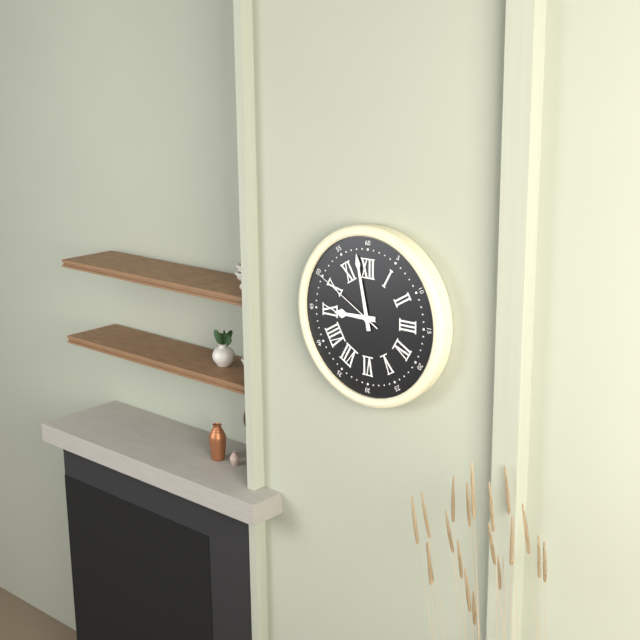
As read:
8.58.50
